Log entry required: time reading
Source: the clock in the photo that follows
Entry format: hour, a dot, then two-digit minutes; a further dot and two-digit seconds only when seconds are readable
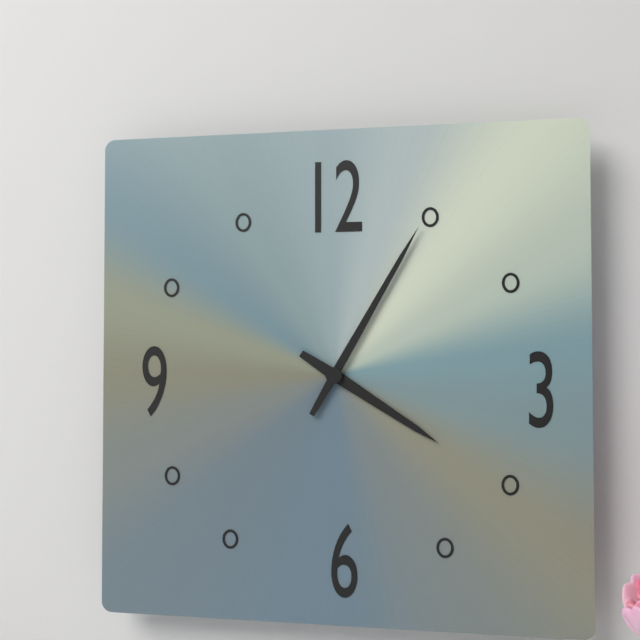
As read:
4.05
